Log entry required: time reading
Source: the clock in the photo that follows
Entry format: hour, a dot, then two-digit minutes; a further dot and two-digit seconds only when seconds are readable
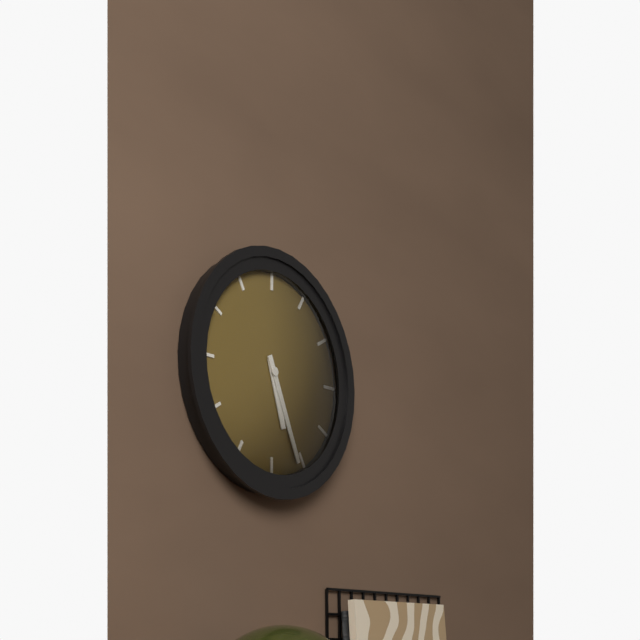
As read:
5.26
